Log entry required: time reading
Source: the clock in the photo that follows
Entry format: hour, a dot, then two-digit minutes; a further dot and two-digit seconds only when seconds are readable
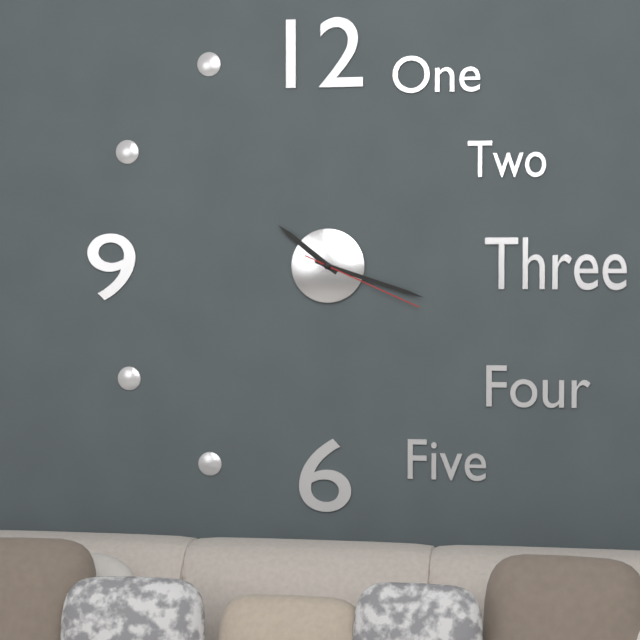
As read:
10.18.19
